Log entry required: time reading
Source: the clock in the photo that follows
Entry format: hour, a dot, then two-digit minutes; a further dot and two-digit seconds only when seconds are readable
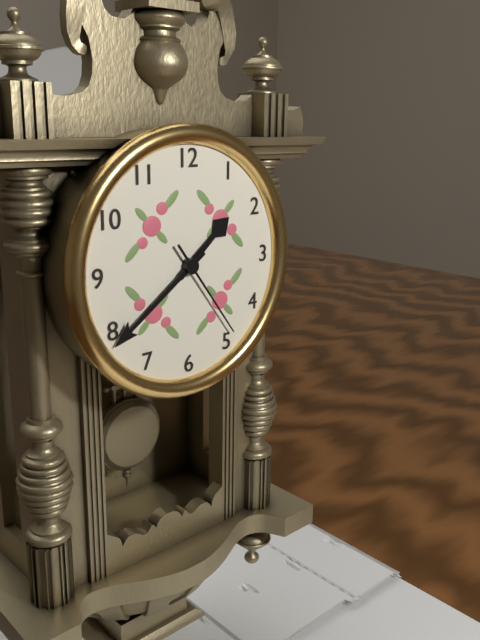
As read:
1.39.24
